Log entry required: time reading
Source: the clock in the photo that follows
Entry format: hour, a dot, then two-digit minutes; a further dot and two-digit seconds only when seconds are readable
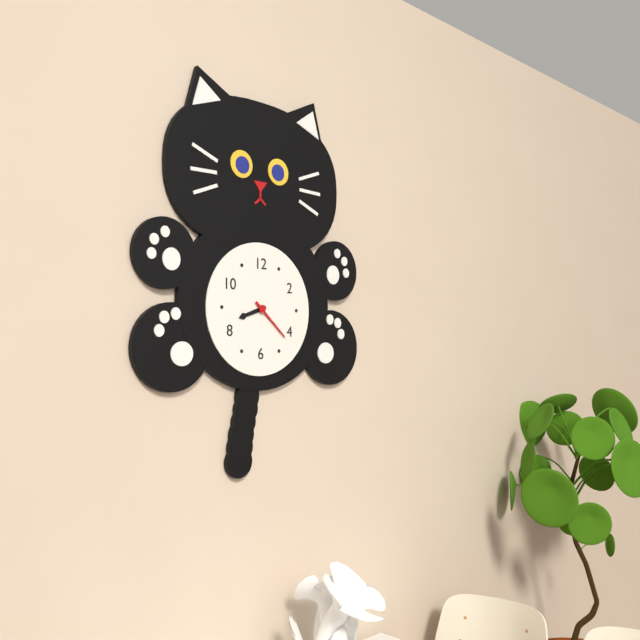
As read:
8.22
